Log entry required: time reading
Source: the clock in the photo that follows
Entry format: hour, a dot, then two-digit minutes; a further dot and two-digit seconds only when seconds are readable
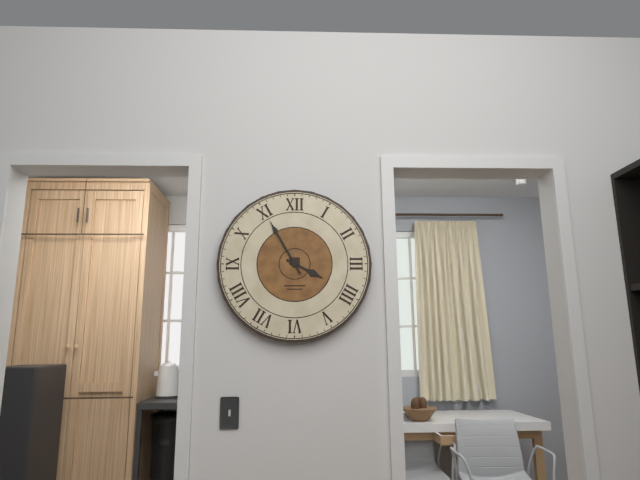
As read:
3.55
